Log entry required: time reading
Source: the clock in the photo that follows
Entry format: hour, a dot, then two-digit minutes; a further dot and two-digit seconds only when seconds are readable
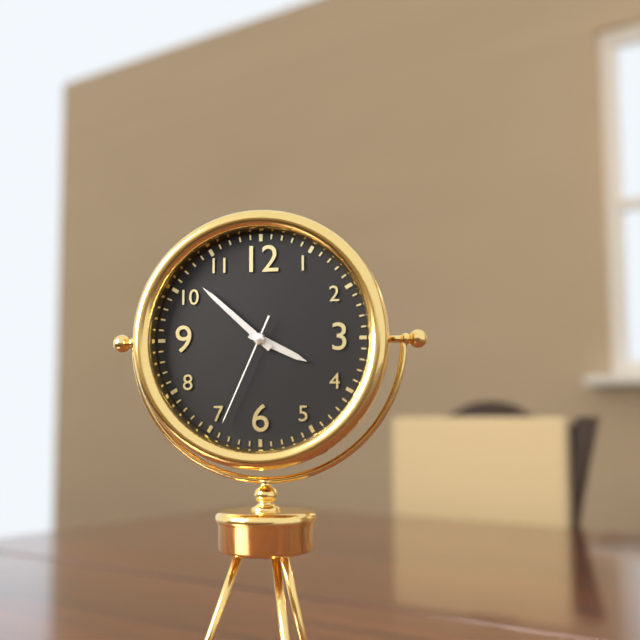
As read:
3.52.34
